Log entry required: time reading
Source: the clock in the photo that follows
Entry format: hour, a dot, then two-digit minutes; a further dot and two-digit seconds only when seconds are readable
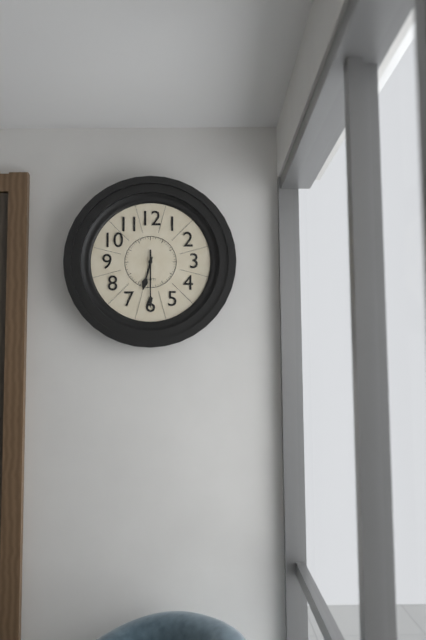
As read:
6.30
